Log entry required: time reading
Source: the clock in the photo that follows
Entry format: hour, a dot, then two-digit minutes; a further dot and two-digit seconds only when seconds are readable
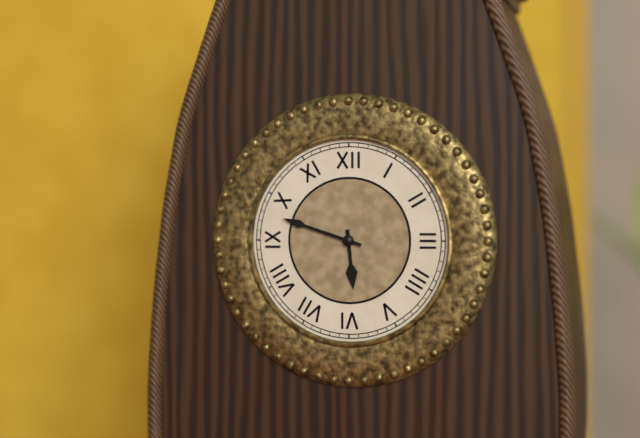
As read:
5.48
